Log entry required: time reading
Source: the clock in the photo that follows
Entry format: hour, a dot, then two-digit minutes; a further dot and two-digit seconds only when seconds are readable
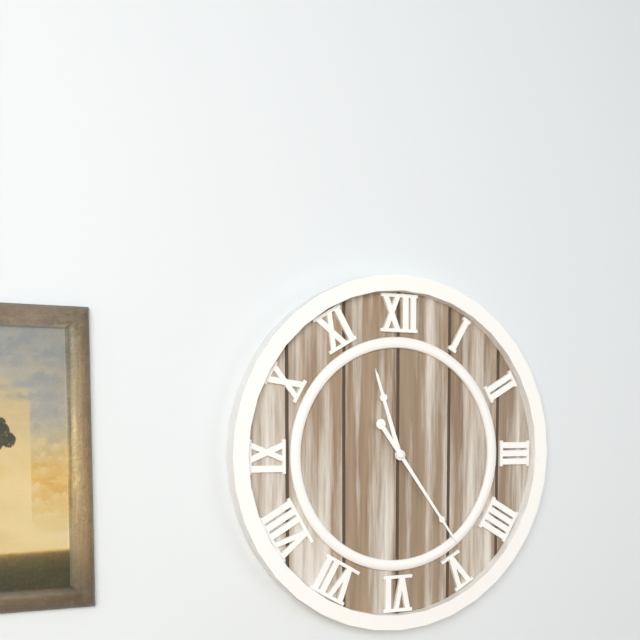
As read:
11.24
